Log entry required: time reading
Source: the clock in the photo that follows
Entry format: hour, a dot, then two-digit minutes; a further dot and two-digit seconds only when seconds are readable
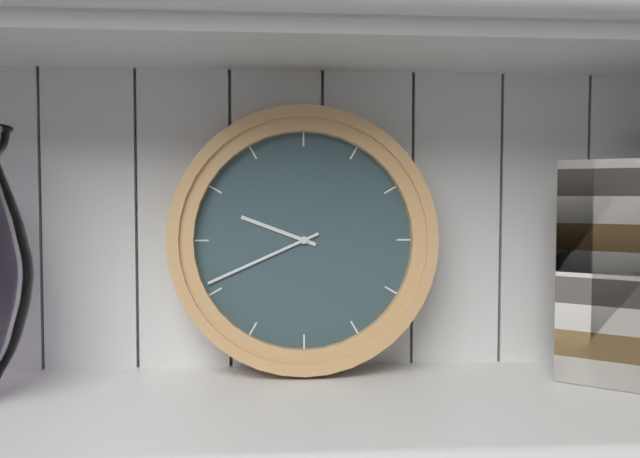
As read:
9.41
